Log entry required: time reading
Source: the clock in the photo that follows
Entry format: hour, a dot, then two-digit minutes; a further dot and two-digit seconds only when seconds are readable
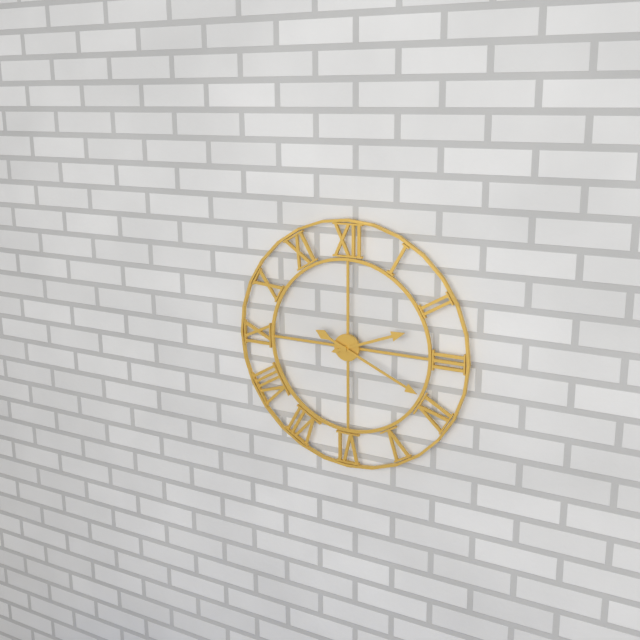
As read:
2.19
